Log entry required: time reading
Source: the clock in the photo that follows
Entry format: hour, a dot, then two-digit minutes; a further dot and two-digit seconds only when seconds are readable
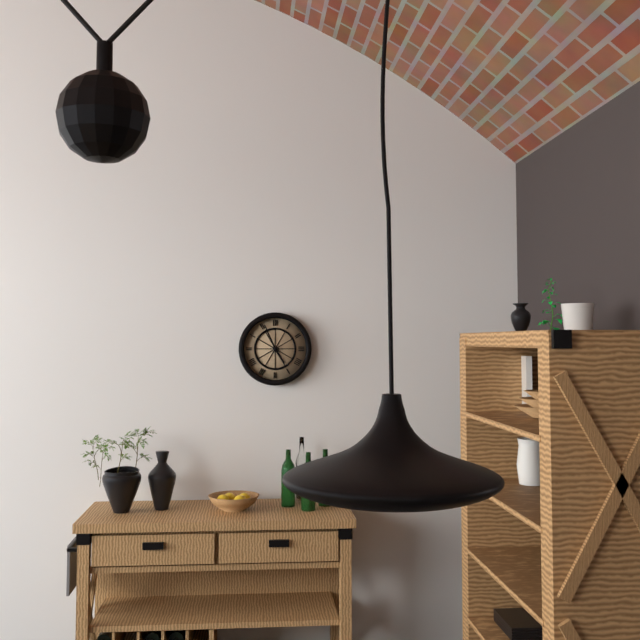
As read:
4.56
